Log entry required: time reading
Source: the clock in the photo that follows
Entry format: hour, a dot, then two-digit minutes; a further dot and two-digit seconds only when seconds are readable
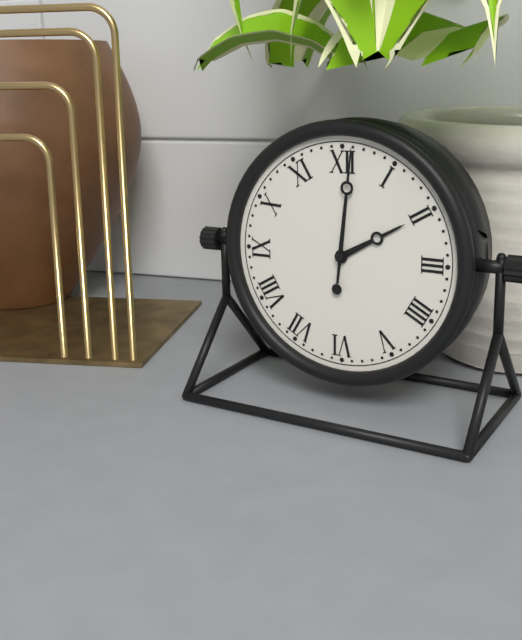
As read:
2.01
